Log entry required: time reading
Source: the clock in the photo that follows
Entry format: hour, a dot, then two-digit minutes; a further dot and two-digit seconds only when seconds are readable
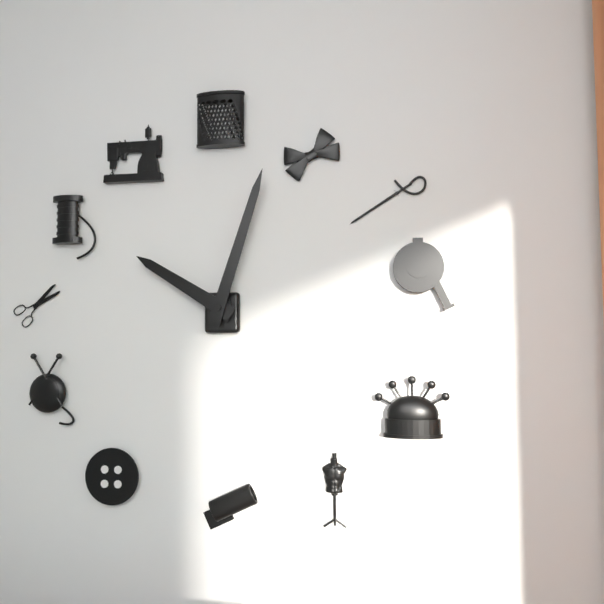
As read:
10.03
